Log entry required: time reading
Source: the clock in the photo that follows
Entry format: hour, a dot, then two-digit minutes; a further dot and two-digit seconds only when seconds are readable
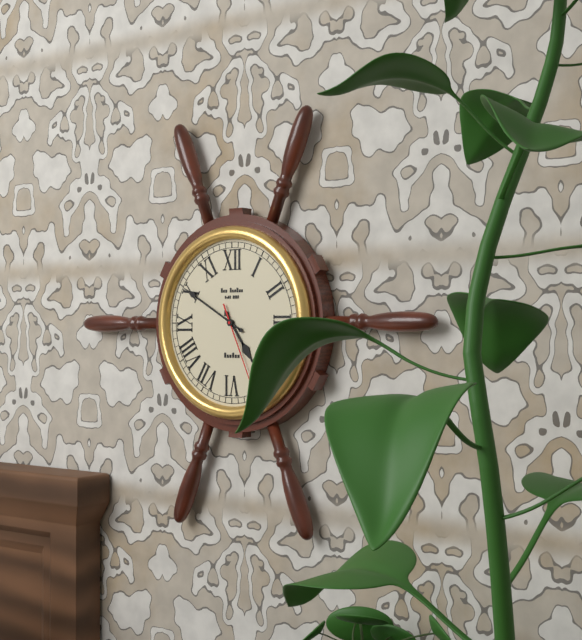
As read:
4.50.26
